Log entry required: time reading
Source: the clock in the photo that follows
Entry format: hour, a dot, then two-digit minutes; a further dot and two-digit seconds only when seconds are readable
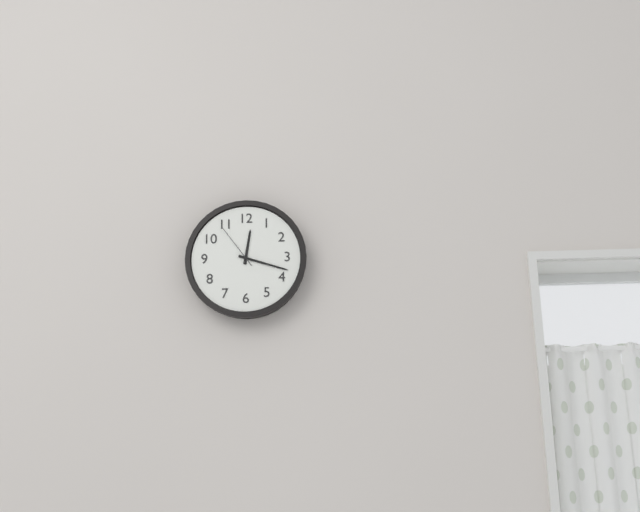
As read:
12.18.54
